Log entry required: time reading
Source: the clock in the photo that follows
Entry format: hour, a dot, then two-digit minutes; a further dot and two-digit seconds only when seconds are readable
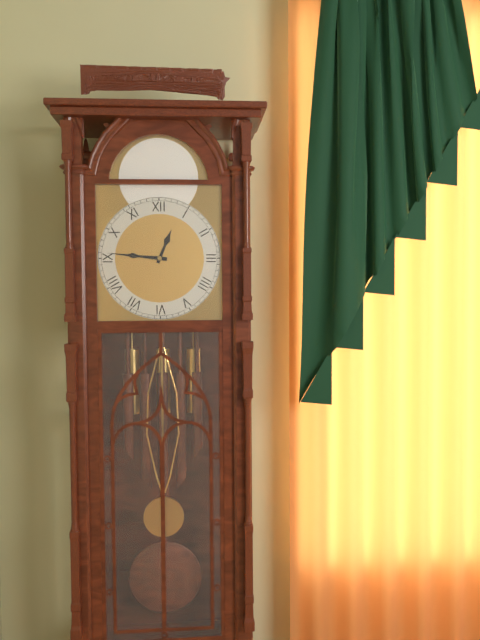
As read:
12.46
